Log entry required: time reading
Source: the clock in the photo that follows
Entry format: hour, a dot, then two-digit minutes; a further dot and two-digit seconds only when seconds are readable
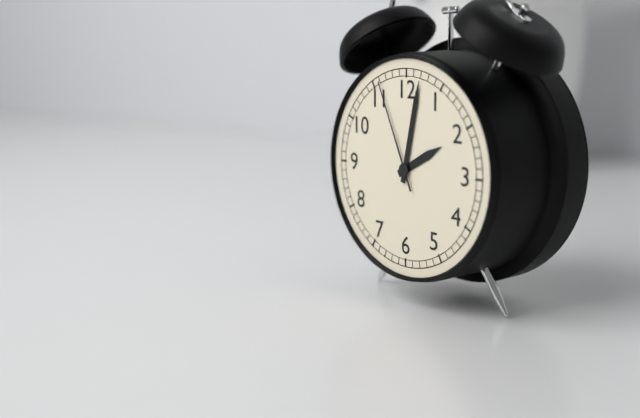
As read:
2.02.56
